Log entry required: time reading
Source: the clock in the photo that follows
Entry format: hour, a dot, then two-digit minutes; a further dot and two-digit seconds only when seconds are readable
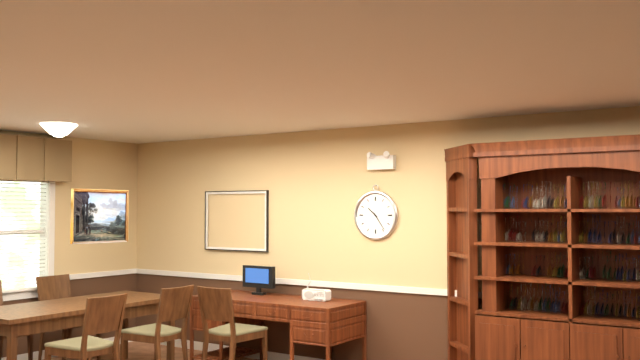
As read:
10.24
